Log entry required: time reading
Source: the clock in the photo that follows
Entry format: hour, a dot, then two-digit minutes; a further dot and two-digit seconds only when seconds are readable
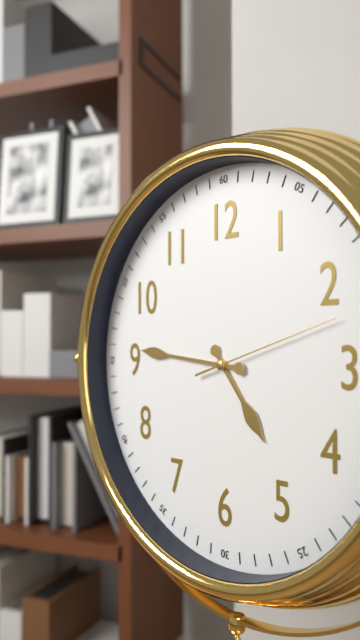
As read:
4.46.12
